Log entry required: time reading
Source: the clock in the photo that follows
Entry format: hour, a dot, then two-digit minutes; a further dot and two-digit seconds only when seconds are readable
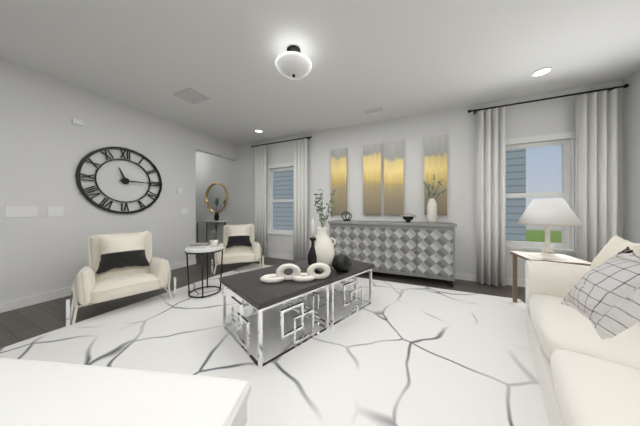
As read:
11.15
